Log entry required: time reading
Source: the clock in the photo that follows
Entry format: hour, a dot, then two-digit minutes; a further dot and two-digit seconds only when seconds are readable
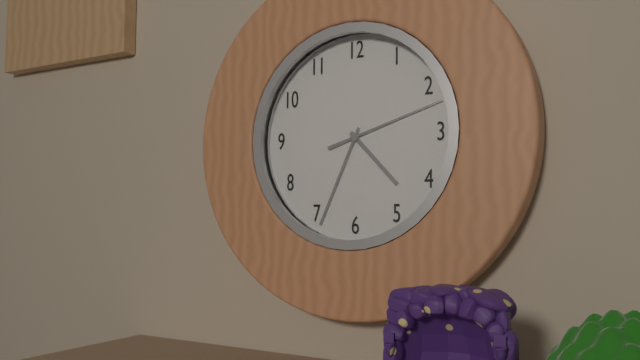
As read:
4.34.12
